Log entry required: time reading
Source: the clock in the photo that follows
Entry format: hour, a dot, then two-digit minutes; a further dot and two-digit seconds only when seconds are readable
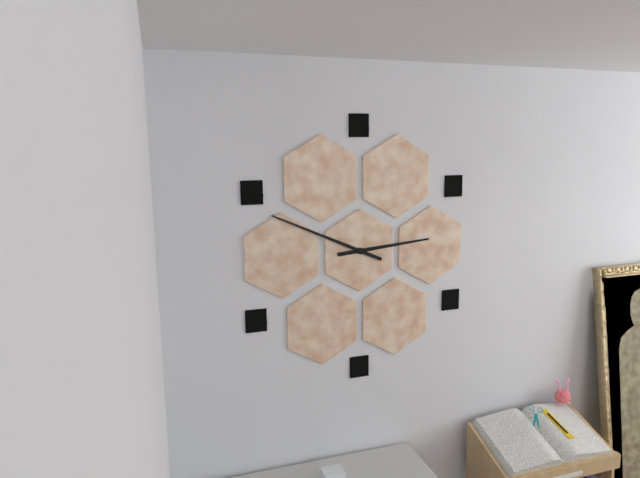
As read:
2.49
